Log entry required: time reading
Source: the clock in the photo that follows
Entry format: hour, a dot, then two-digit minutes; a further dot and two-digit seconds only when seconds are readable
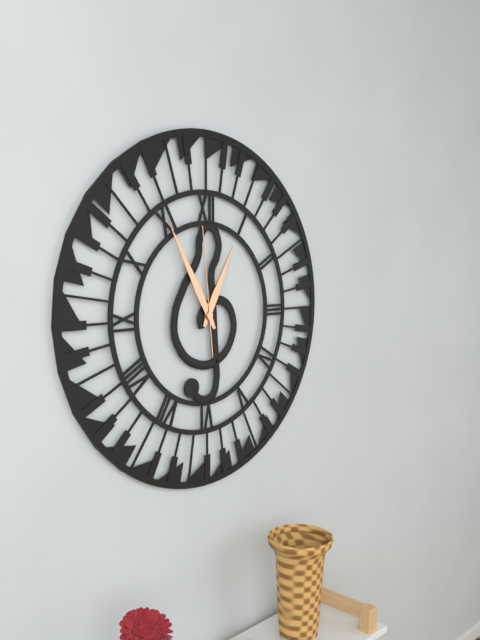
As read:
12.55.59
